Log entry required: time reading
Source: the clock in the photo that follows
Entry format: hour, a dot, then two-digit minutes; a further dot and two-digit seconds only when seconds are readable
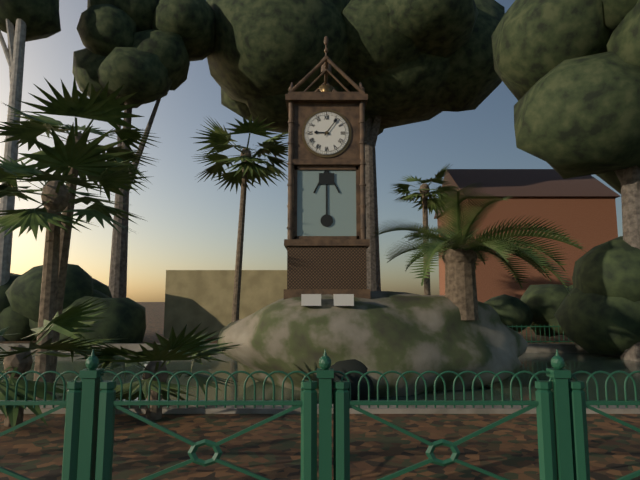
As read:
9.06
